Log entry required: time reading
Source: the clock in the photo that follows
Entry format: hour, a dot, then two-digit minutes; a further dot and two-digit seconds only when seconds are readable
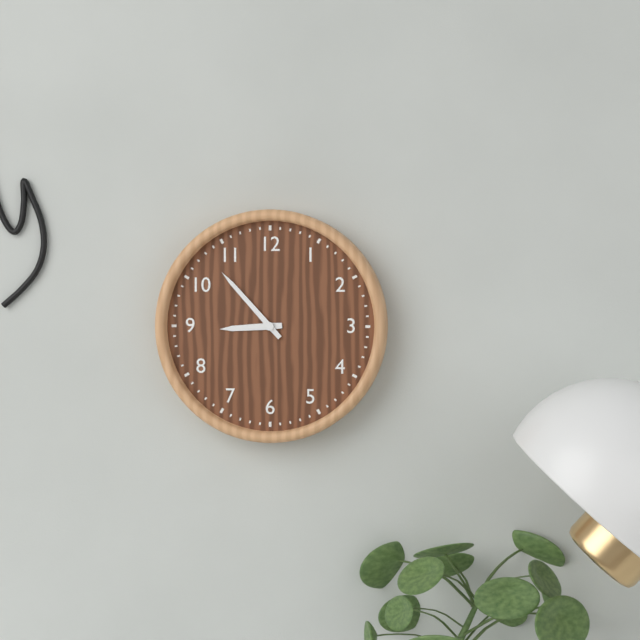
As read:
8.53
